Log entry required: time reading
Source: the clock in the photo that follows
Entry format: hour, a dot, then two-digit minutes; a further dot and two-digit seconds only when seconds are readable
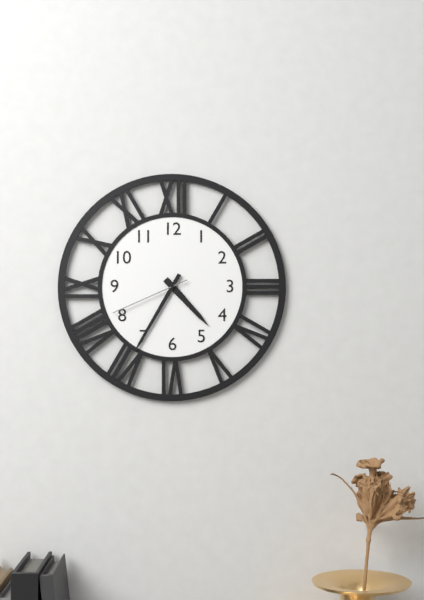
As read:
4.35.41
